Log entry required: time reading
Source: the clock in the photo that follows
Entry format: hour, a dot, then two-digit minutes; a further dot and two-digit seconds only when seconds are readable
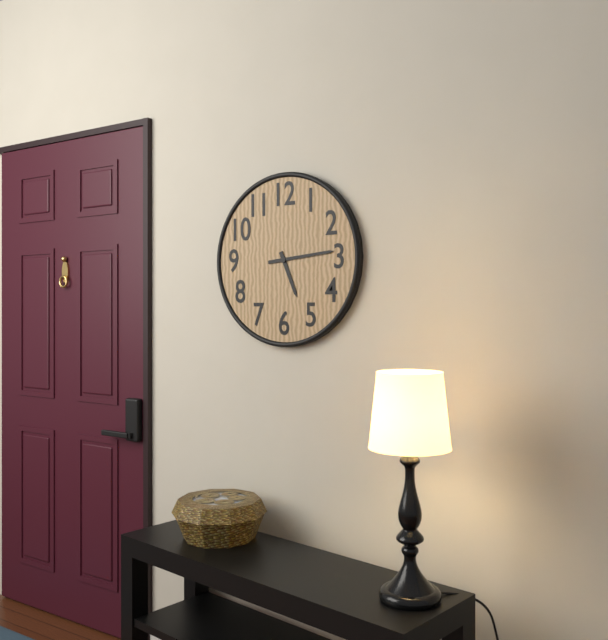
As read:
5.14
